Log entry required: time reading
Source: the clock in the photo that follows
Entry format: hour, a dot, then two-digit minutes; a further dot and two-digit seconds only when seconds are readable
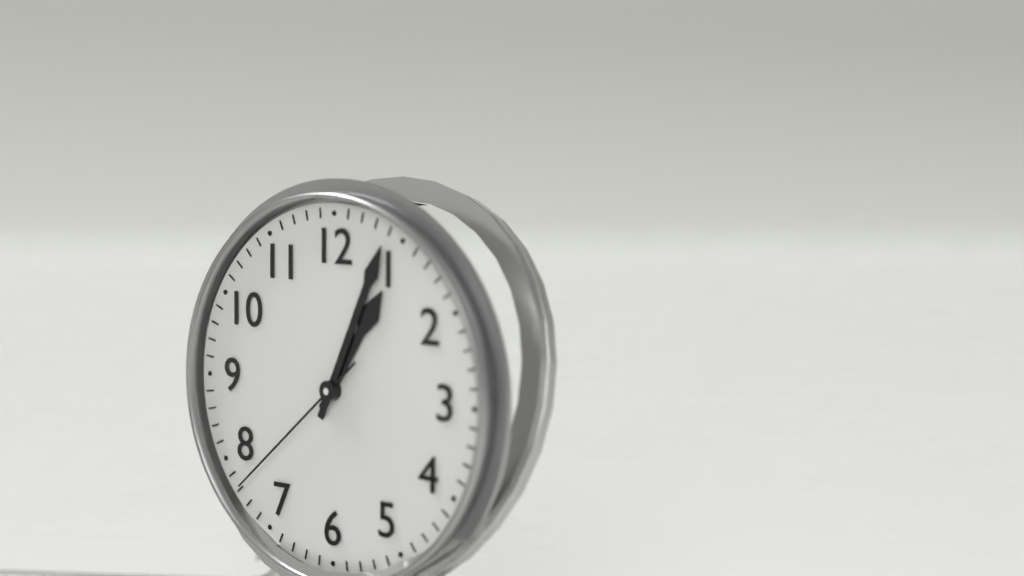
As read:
1.04.38
